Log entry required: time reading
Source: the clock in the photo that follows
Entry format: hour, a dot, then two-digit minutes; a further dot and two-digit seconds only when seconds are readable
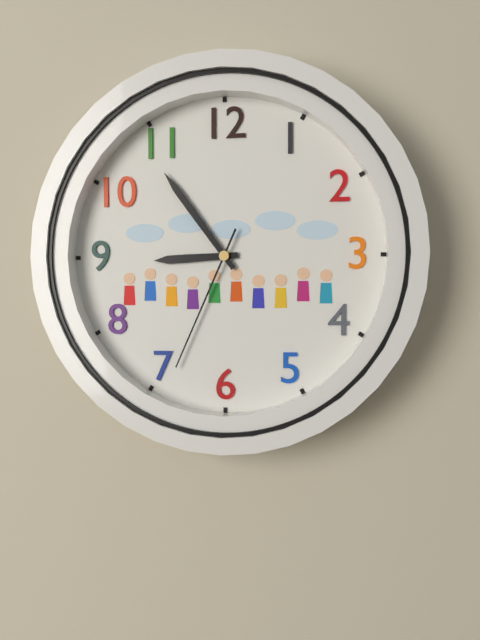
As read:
8.54.34
